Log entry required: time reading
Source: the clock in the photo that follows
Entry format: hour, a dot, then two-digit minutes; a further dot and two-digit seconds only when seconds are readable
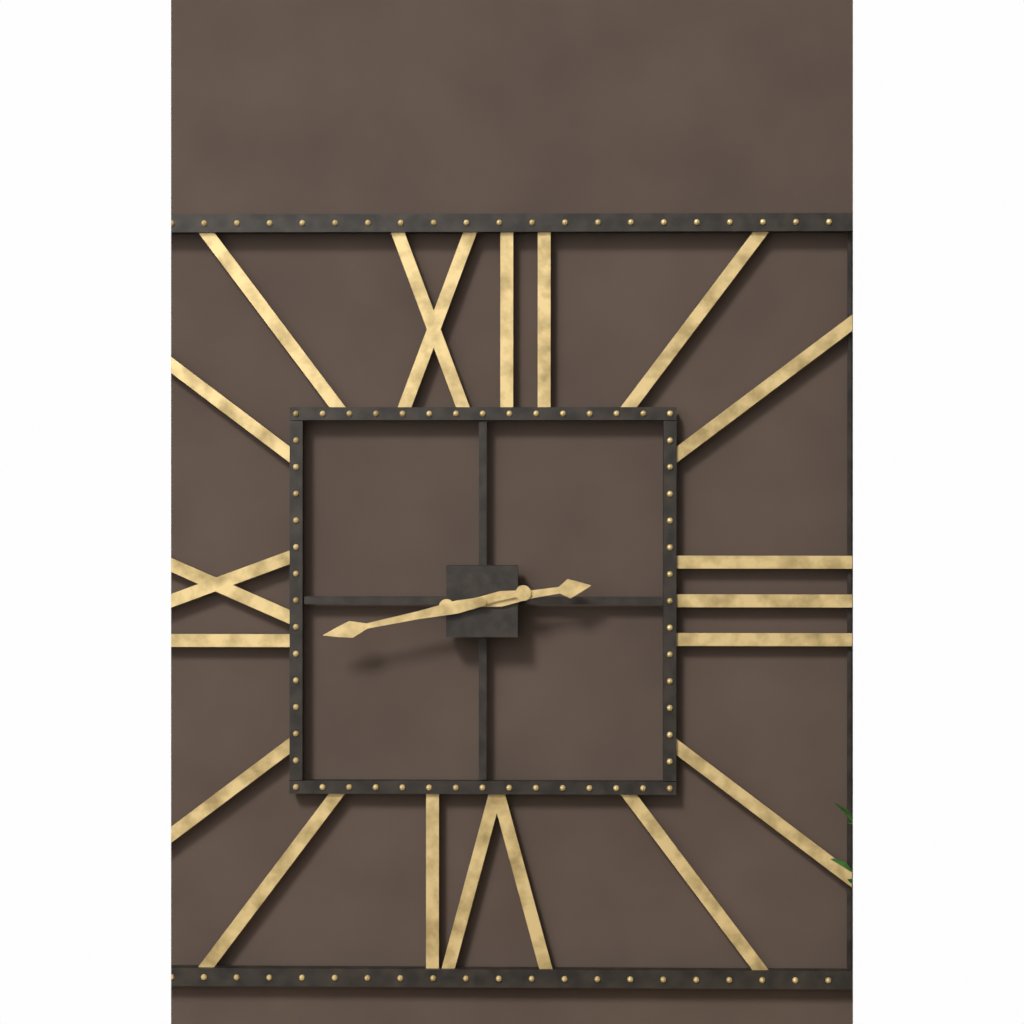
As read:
2.43
